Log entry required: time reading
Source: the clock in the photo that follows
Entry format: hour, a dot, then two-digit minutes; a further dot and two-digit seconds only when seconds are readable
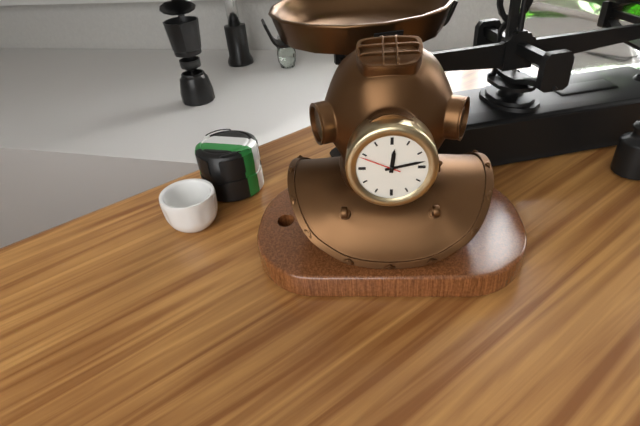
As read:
12.13
